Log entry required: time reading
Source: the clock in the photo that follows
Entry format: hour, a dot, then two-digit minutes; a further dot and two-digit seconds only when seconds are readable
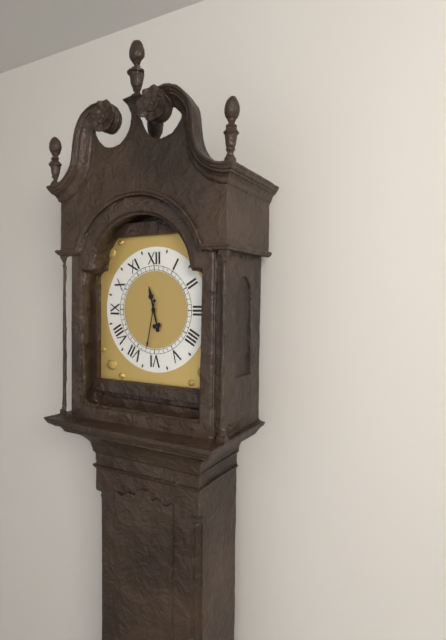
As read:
11.32
